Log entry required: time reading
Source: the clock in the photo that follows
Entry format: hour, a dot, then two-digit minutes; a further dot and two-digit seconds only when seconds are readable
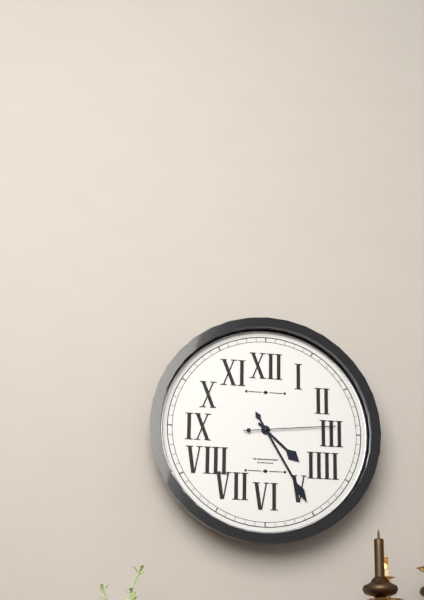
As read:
4.25.14
